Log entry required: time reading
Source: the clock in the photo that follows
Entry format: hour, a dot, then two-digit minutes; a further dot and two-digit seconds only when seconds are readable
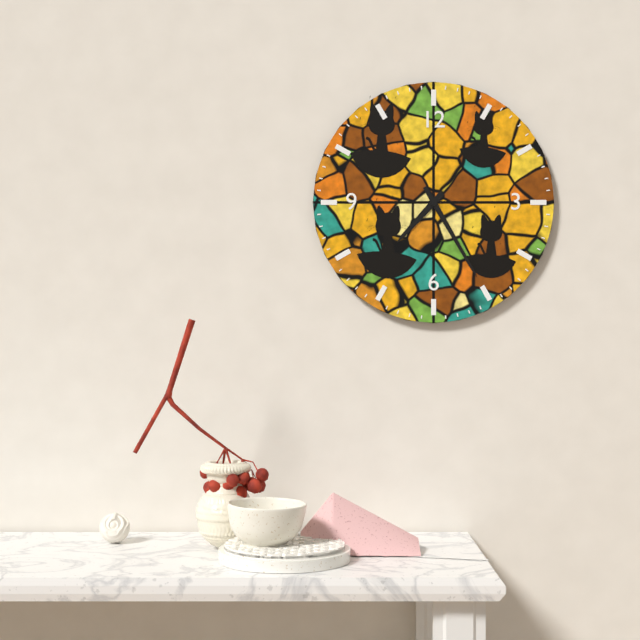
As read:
7.25
